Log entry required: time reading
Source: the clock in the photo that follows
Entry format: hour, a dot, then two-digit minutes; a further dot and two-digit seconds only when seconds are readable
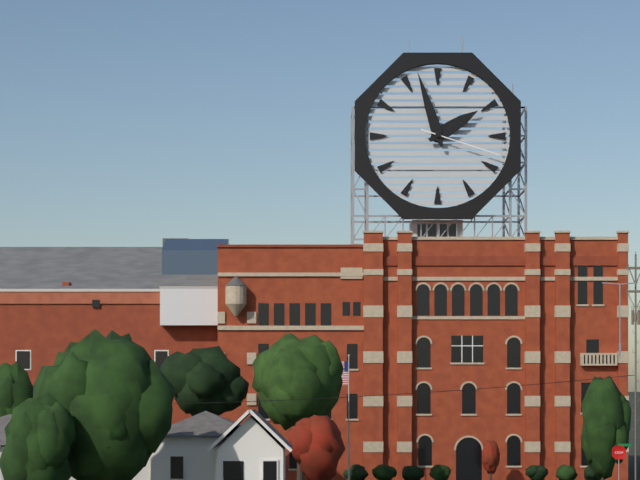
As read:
1.57.18
